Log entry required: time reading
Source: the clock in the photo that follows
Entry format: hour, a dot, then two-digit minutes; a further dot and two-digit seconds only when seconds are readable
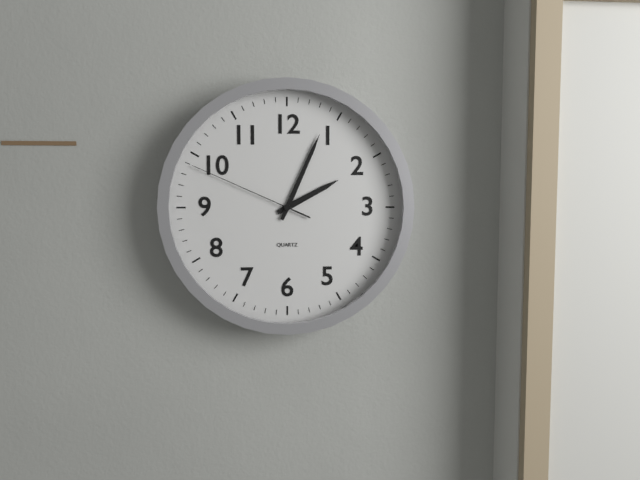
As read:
2.04.49
